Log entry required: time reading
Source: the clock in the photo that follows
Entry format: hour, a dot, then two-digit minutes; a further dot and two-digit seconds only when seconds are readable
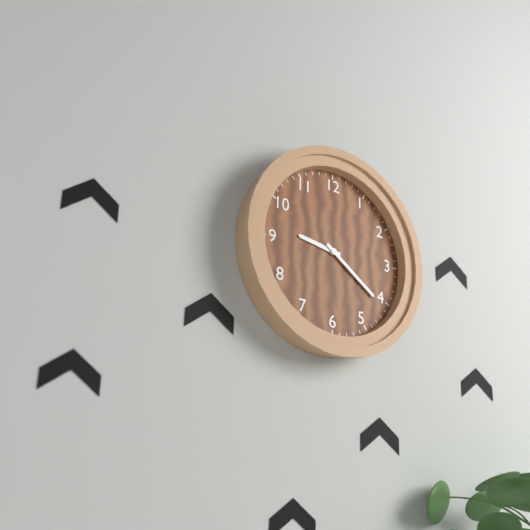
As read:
9.21
